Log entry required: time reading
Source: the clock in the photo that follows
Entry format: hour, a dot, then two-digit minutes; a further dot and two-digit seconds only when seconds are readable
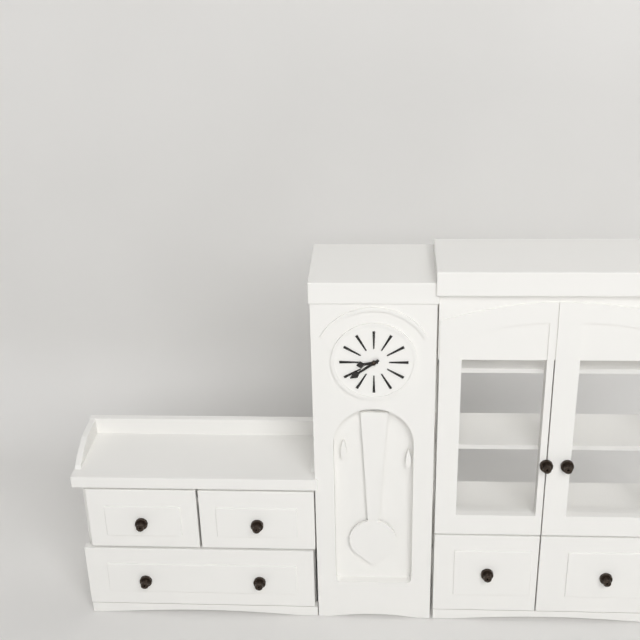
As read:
8.39
